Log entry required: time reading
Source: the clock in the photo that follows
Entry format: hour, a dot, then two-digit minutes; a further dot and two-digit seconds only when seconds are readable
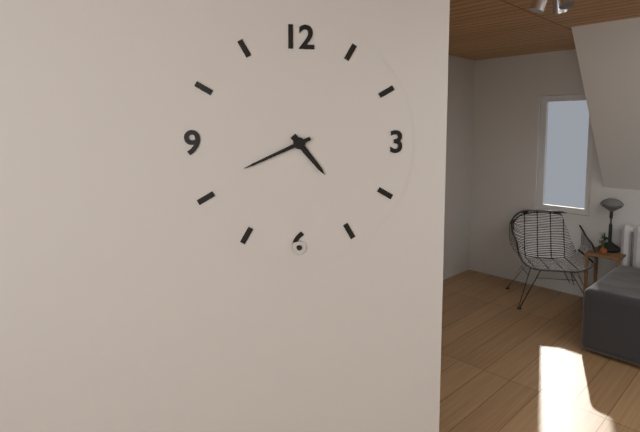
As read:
4.41
